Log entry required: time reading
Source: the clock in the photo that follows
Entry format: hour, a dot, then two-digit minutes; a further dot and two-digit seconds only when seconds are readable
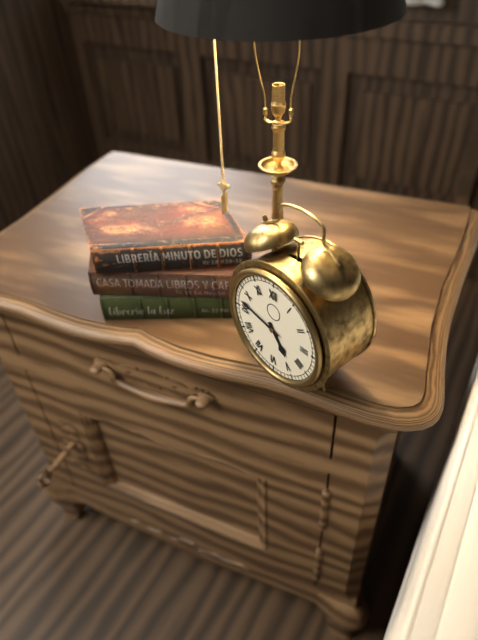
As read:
4.47
